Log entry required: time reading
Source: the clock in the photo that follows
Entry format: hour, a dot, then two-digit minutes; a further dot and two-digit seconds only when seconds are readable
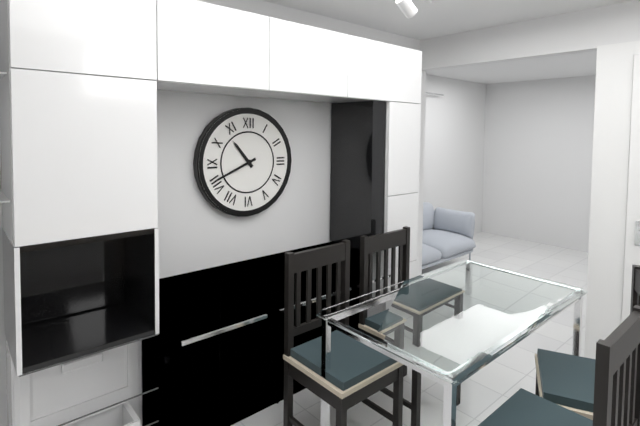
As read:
10.41
